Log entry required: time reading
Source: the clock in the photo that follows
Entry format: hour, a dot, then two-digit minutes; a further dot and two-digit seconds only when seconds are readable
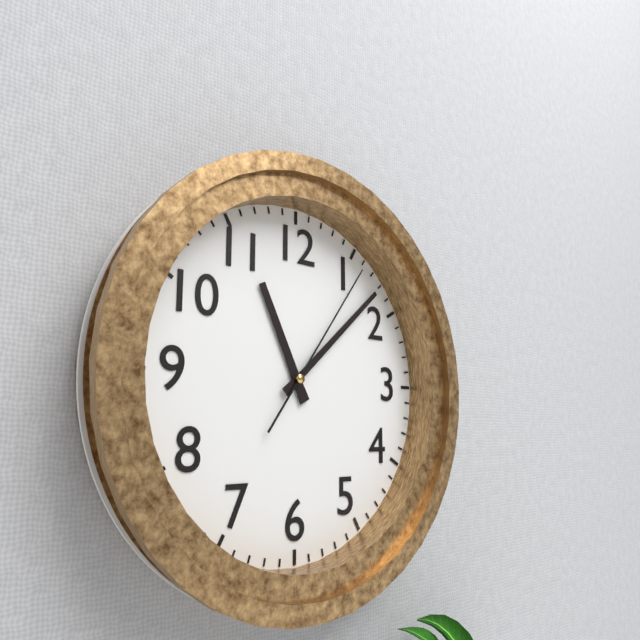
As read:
11.08.06
